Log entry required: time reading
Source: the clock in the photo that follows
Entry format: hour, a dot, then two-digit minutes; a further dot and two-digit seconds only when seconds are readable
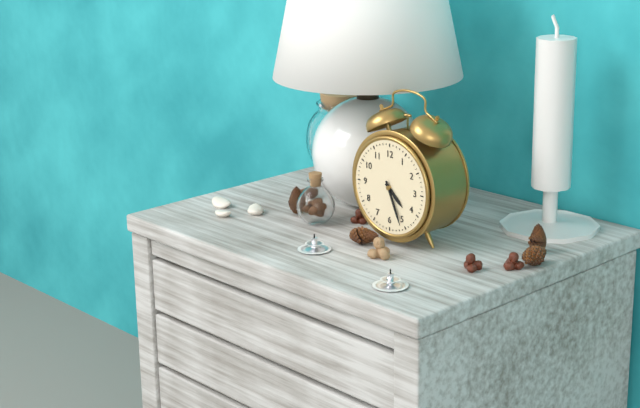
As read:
4.26
